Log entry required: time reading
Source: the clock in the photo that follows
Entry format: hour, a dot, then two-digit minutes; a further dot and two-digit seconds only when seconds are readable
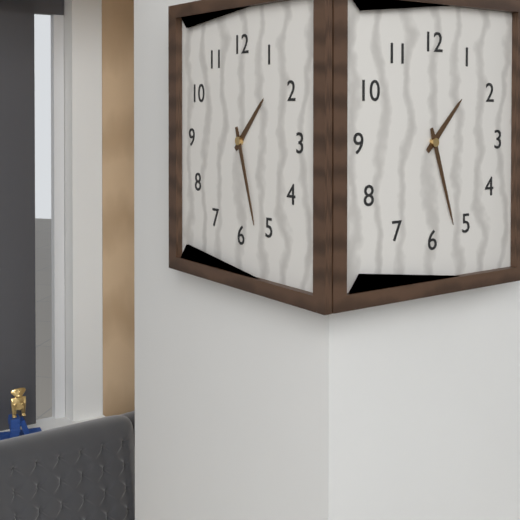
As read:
1.27
